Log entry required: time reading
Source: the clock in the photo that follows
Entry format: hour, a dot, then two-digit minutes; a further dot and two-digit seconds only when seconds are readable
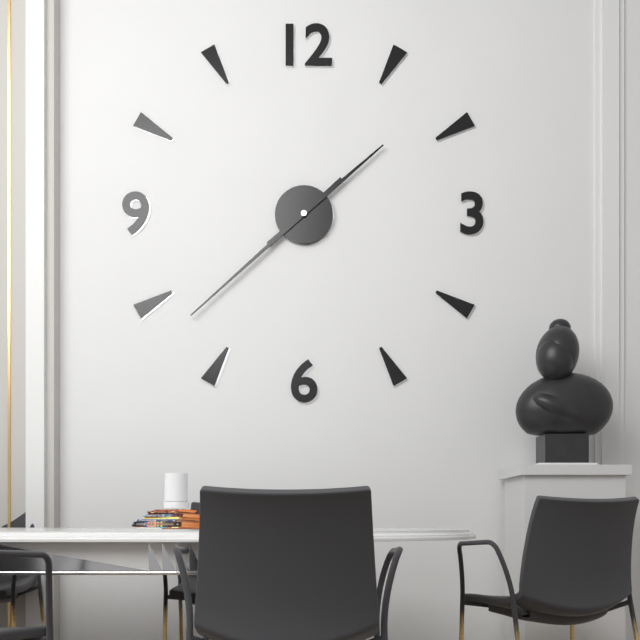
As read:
1.38
